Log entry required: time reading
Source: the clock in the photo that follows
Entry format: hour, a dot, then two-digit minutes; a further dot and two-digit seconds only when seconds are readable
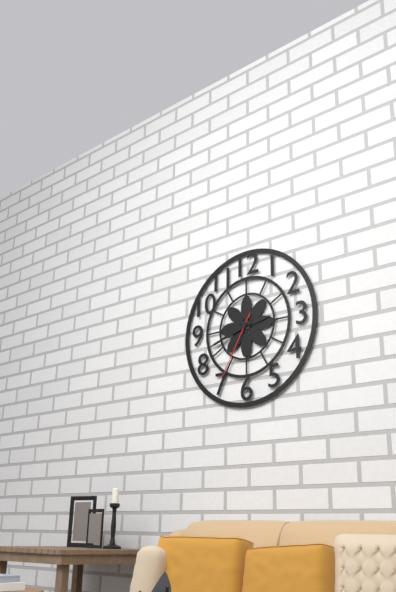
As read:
2.42.35
